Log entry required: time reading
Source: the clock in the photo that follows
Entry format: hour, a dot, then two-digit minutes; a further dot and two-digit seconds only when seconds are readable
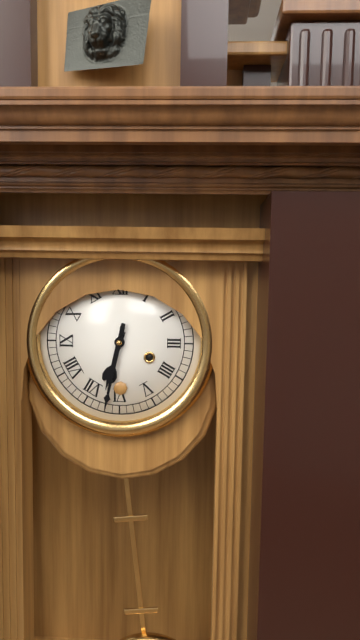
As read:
6.32
